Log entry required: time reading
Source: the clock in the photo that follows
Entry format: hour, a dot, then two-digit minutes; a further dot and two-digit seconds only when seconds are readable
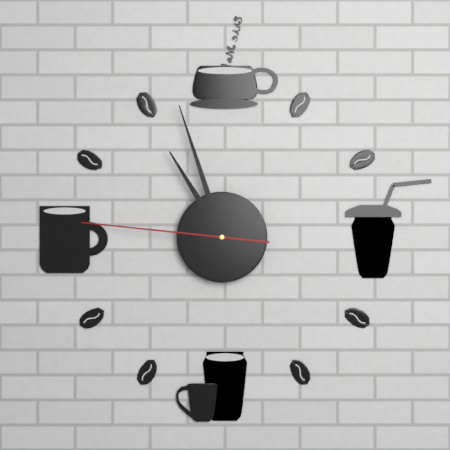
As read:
10.57.46
